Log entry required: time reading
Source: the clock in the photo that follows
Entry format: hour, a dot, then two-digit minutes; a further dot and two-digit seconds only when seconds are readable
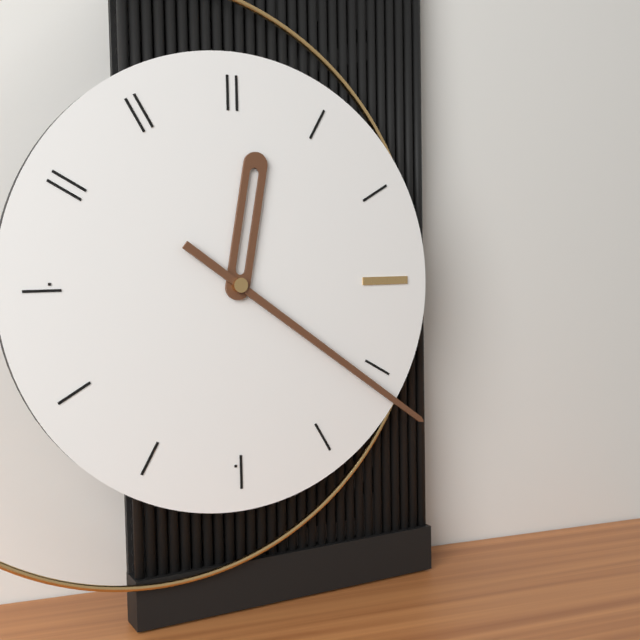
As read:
12.21
